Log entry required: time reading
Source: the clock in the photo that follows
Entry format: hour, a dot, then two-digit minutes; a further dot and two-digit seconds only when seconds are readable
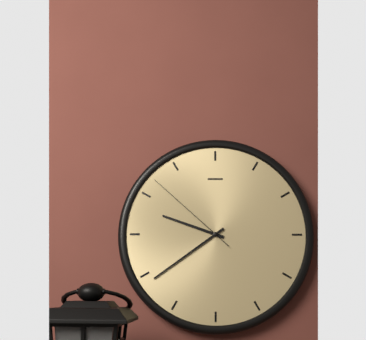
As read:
9.39.52
